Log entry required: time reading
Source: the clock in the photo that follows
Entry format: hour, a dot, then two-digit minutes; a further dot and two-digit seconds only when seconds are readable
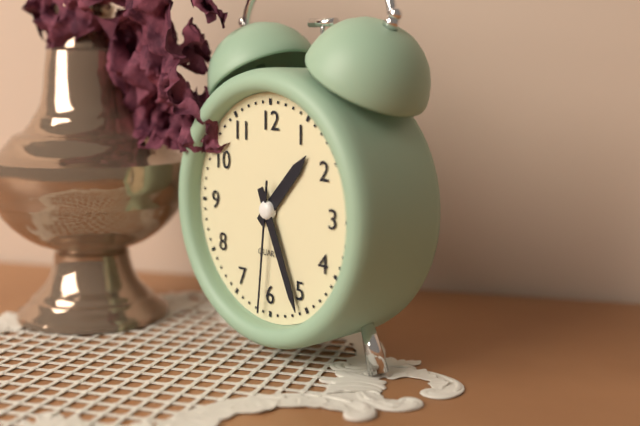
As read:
1.26.31
